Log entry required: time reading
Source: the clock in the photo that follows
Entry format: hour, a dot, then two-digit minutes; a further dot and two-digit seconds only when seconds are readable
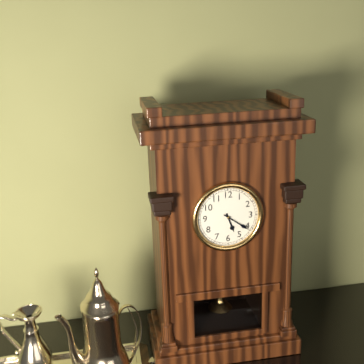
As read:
5.21
